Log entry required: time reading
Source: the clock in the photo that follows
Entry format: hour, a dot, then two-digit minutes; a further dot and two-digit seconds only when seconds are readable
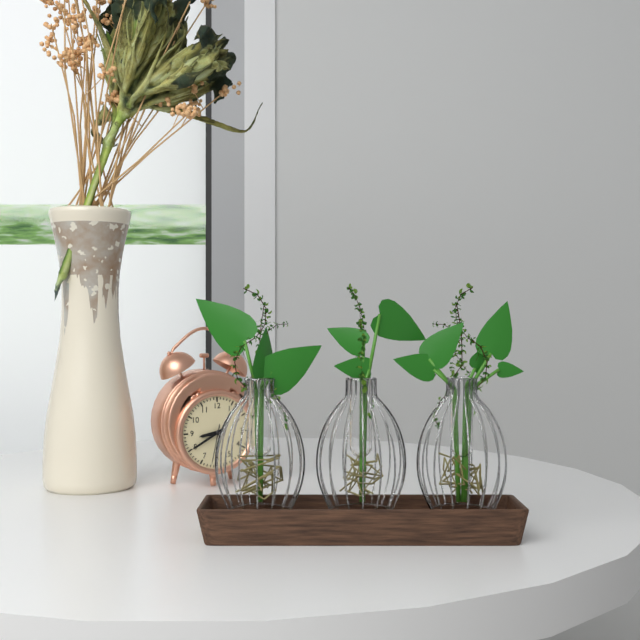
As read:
8.40
